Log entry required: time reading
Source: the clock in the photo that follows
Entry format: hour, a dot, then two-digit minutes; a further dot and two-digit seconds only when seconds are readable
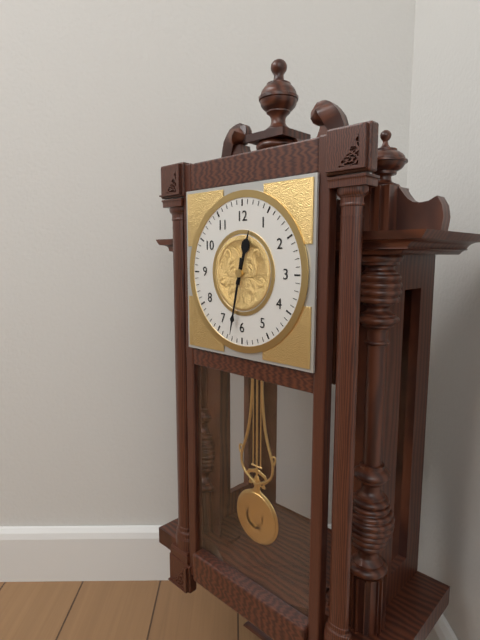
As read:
12.32
